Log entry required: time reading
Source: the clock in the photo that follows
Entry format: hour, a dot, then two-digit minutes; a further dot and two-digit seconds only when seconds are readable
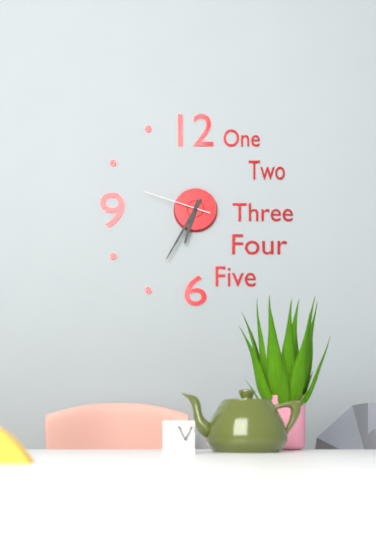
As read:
6.35.48
